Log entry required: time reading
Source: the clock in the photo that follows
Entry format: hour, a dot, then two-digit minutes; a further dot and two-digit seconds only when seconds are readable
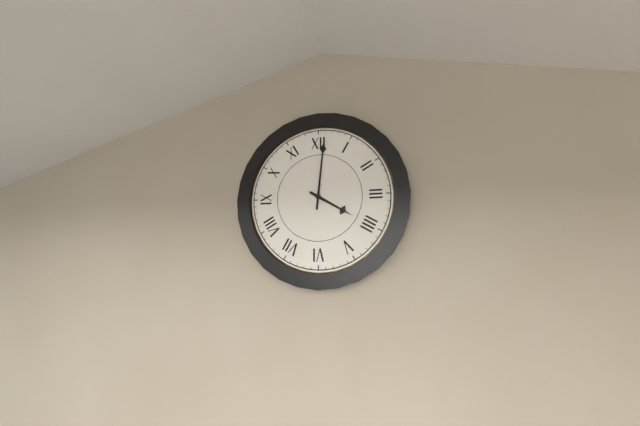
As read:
4.01
